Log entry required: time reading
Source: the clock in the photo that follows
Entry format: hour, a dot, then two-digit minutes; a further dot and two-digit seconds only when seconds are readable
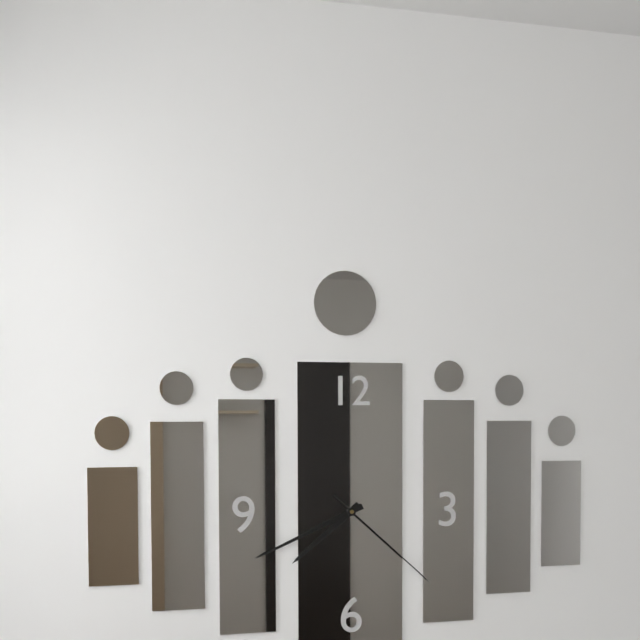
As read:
7.41.22
